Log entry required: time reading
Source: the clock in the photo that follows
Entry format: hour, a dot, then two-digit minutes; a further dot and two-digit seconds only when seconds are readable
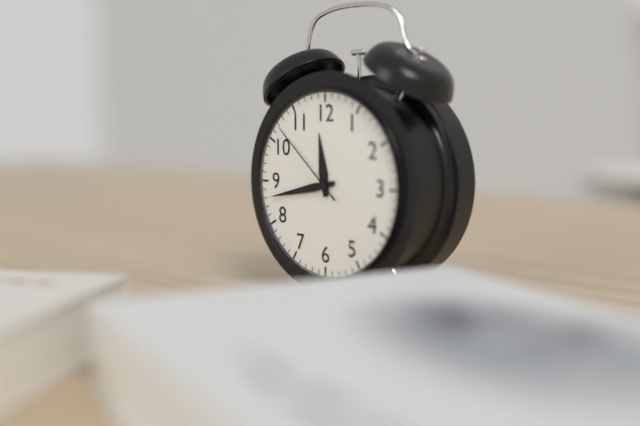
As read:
11.43.52
